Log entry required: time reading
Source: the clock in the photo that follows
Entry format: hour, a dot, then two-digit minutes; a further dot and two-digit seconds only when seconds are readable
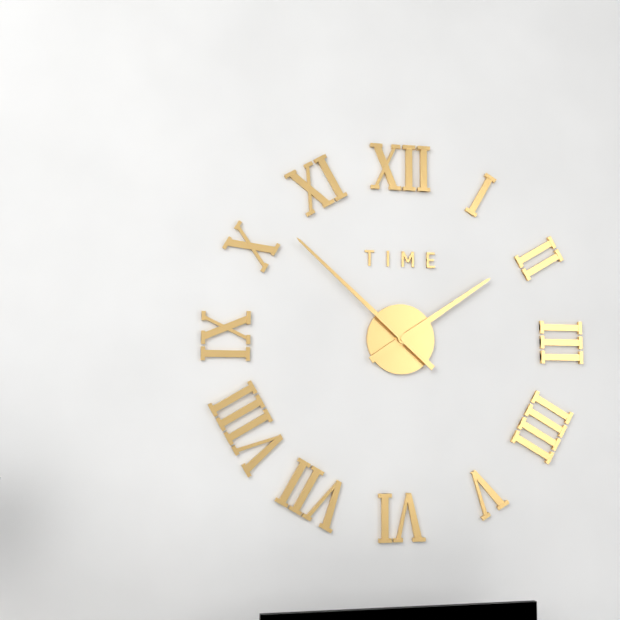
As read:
1.52
